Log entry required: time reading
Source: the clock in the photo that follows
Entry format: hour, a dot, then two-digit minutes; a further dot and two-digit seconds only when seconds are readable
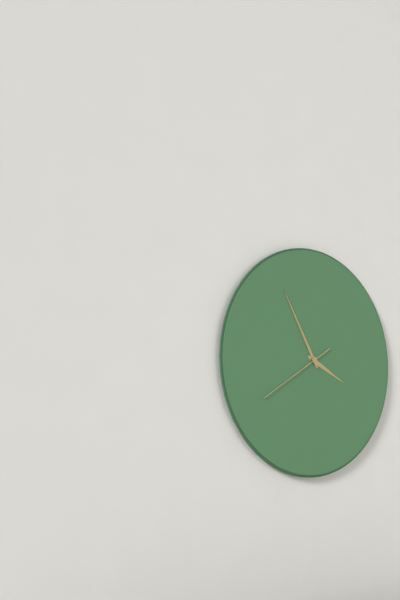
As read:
3.55.40
